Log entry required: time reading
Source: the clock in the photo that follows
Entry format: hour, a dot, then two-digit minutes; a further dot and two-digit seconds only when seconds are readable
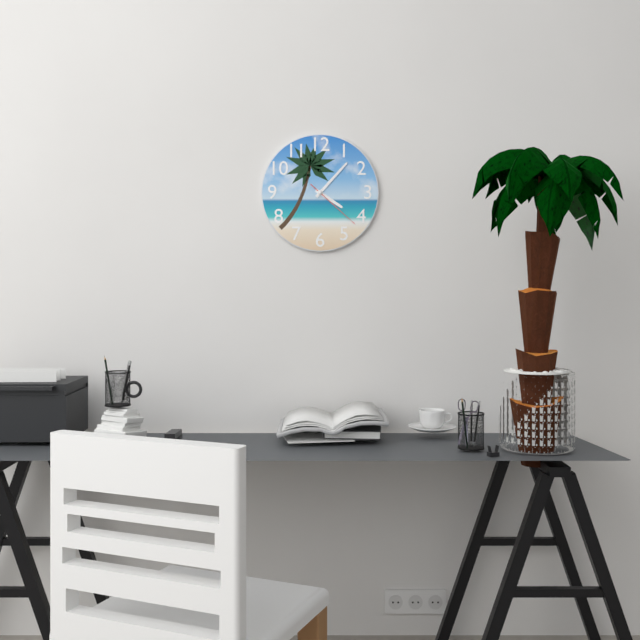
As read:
4.07.22
